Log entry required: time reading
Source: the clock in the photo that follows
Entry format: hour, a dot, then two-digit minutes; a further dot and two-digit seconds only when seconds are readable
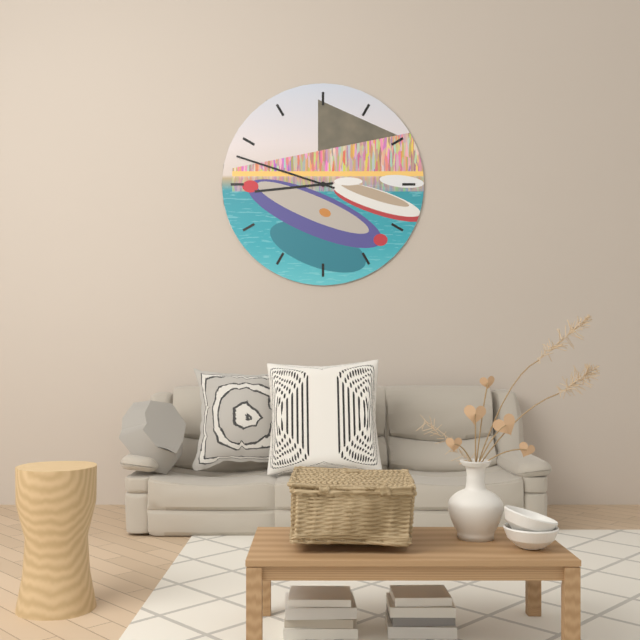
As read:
8.48
